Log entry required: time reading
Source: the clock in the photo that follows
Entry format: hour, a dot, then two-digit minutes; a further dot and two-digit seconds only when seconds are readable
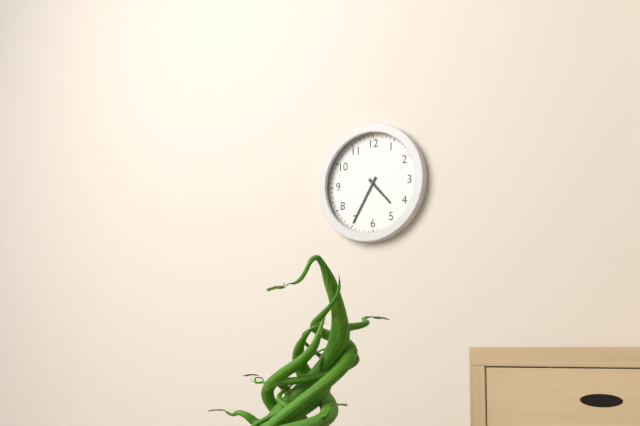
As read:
4.35
